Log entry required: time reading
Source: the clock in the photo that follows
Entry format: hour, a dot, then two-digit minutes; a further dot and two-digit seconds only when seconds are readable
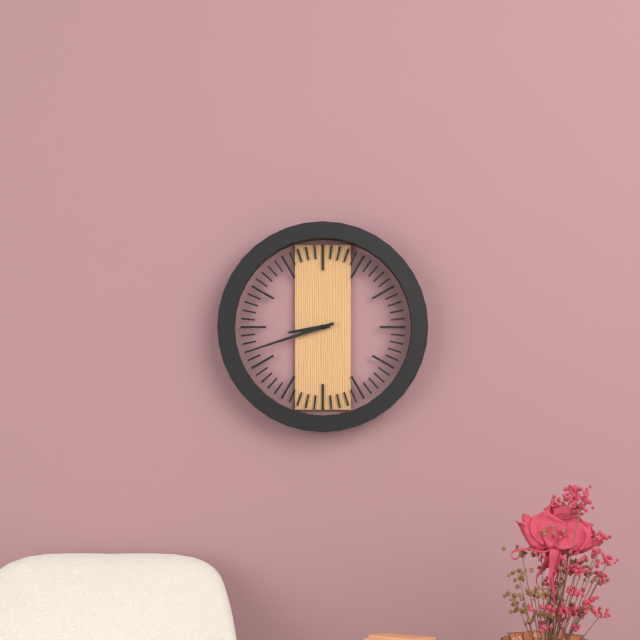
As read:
8.42
